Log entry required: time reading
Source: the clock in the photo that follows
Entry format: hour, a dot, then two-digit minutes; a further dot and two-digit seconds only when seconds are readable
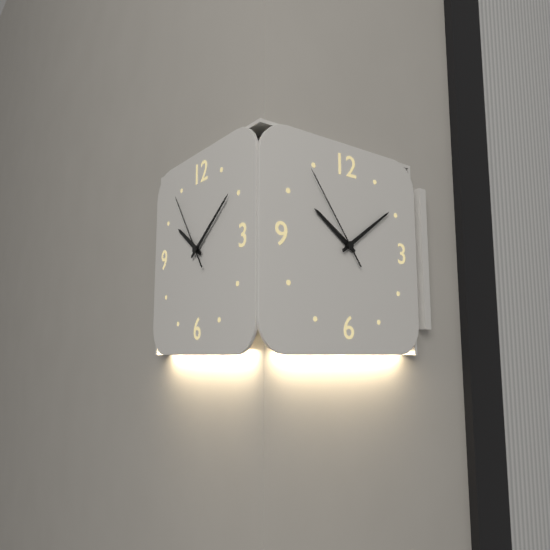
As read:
10.09.54
